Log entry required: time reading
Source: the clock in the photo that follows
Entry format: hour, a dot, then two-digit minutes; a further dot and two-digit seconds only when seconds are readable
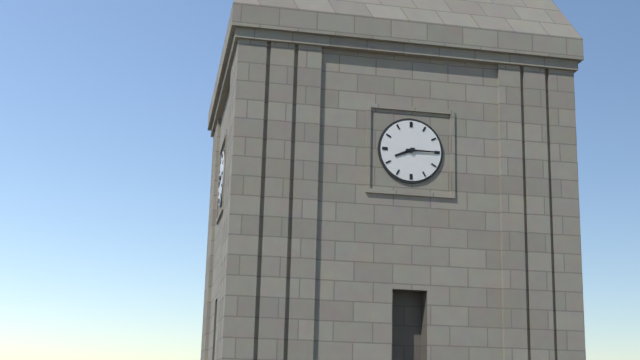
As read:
8.15
